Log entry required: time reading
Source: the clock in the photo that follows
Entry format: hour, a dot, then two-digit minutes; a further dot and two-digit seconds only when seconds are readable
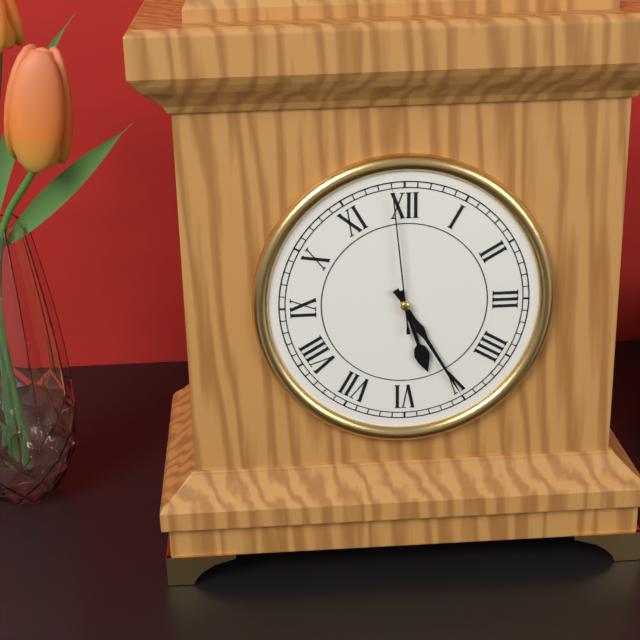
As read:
5.25.59
